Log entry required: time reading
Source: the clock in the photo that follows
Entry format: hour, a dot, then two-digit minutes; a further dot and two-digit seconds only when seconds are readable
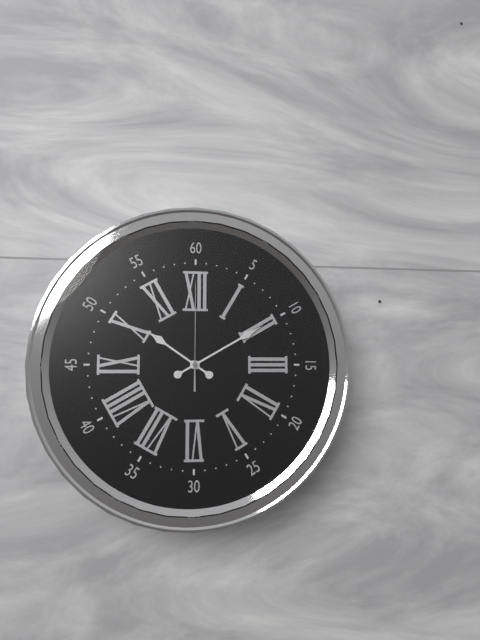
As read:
10.10.00
